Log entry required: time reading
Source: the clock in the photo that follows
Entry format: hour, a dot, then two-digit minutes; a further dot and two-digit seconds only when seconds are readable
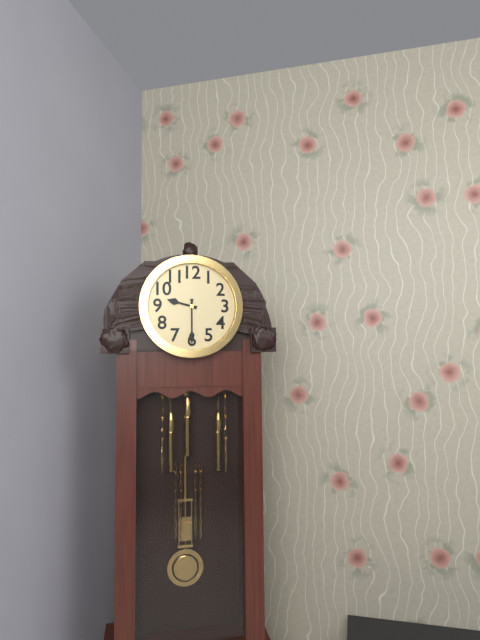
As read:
9.30
